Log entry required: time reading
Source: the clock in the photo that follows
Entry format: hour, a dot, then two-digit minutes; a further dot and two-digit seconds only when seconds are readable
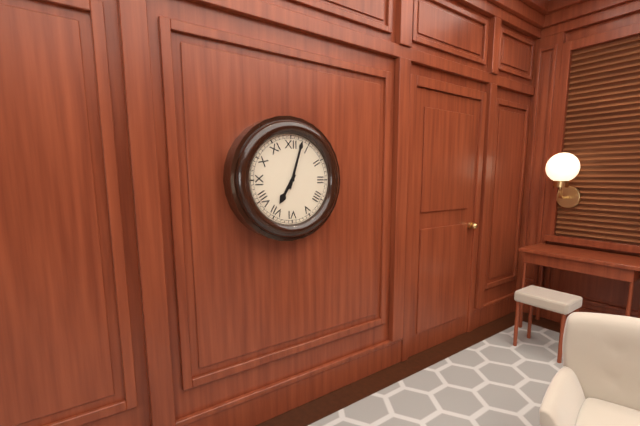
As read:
7.03
